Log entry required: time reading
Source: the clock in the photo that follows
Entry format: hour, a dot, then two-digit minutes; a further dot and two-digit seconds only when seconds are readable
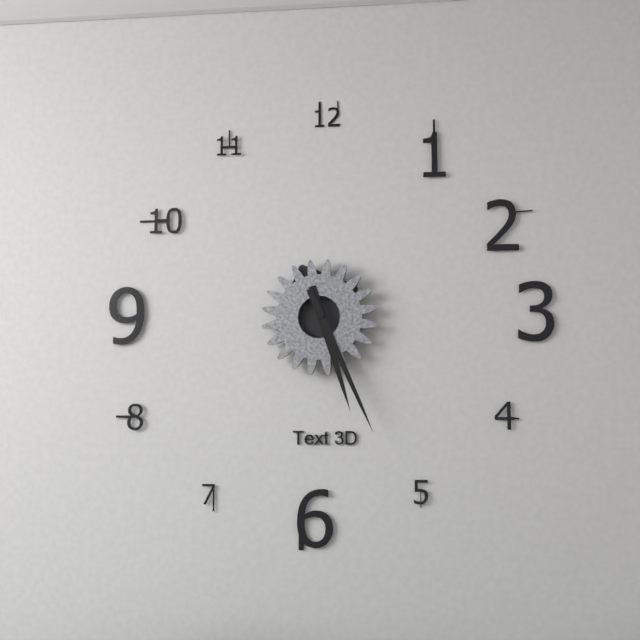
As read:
5.26
